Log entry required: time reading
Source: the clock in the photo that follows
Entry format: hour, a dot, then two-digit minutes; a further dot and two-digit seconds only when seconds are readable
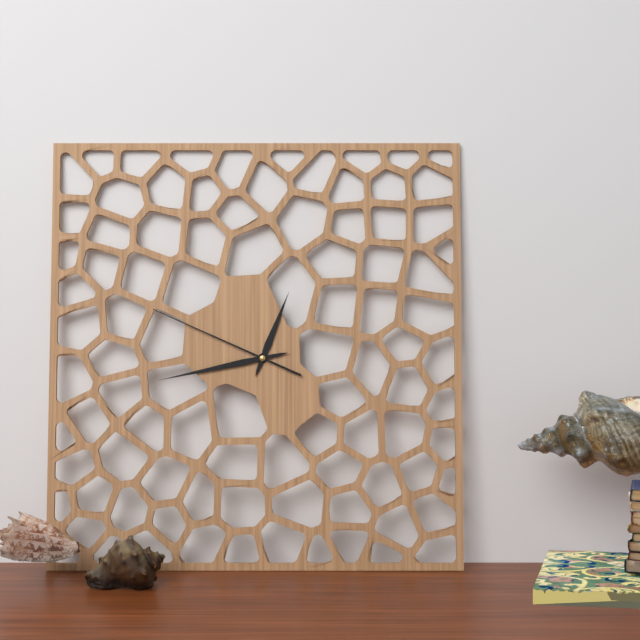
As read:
12.43.49
